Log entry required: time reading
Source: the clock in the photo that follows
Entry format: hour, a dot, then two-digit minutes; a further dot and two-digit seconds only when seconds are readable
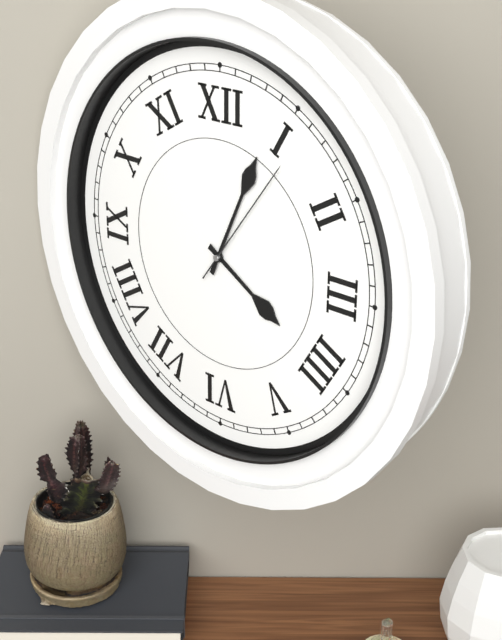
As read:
4.04.06
